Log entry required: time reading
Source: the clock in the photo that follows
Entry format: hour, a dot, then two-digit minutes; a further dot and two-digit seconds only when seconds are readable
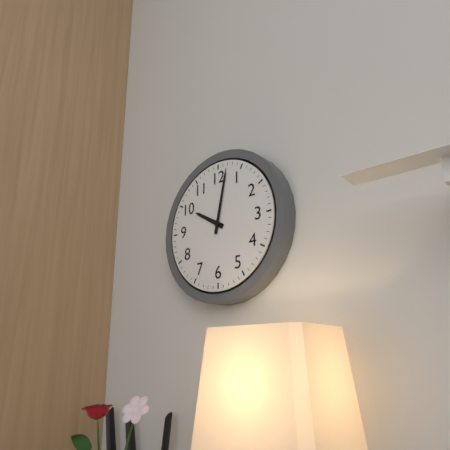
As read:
10.02
